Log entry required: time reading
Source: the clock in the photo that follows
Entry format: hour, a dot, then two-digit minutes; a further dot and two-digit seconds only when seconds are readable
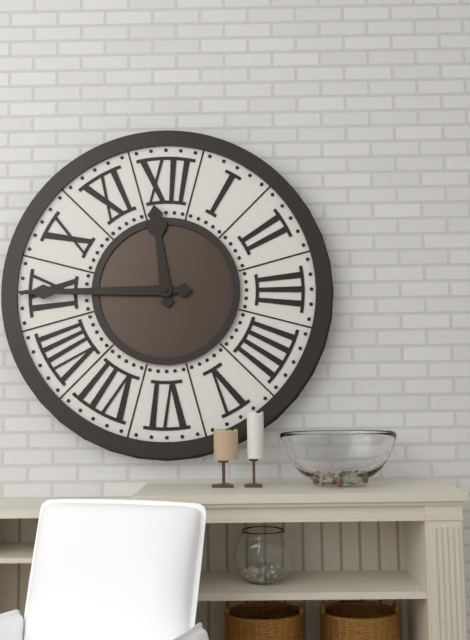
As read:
11.45
